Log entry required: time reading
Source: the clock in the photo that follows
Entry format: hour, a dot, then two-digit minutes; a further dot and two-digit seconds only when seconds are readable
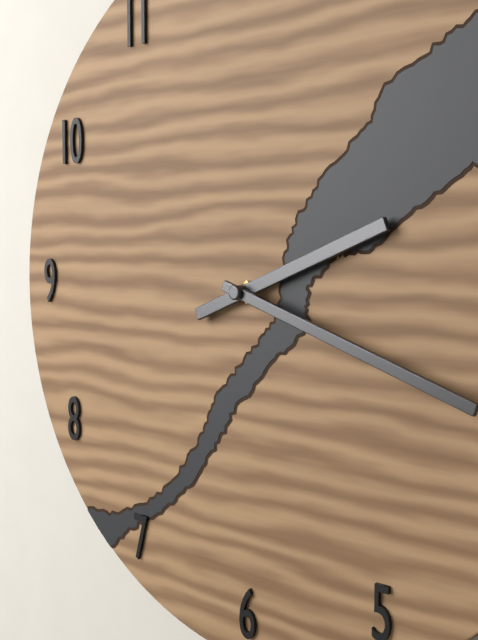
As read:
2.18
